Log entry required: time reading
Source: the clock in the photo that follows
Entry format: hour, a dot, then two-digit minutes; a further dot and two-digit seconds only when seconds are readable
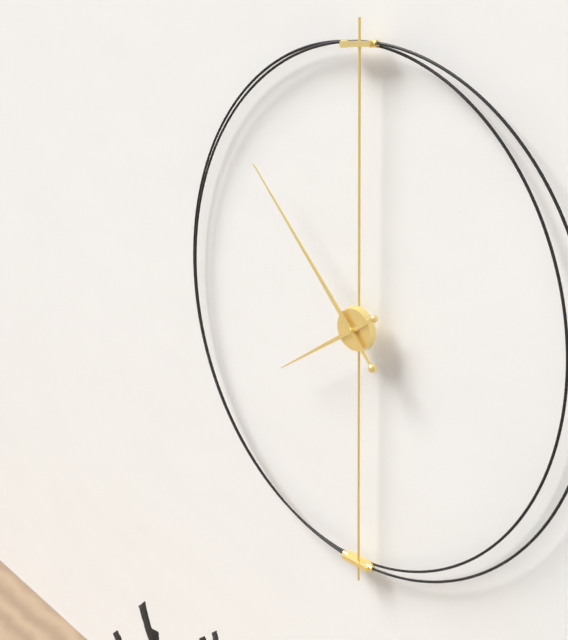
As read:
7.53
